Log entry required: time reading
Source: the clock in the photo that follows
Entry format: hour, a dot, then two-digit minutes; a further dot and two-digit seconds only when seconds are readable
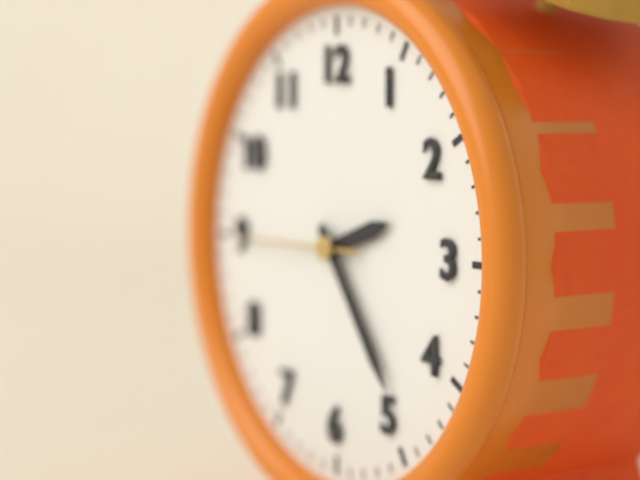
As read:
2.24.45
